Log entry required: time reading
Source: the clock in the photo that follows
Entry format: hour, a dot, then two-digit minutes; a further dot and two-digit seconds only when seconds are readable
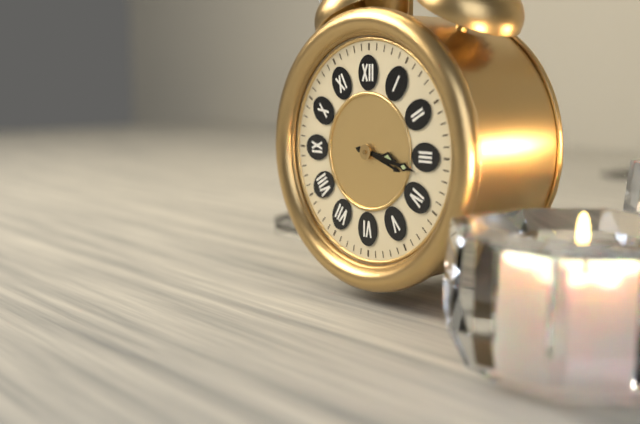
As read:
3.17
